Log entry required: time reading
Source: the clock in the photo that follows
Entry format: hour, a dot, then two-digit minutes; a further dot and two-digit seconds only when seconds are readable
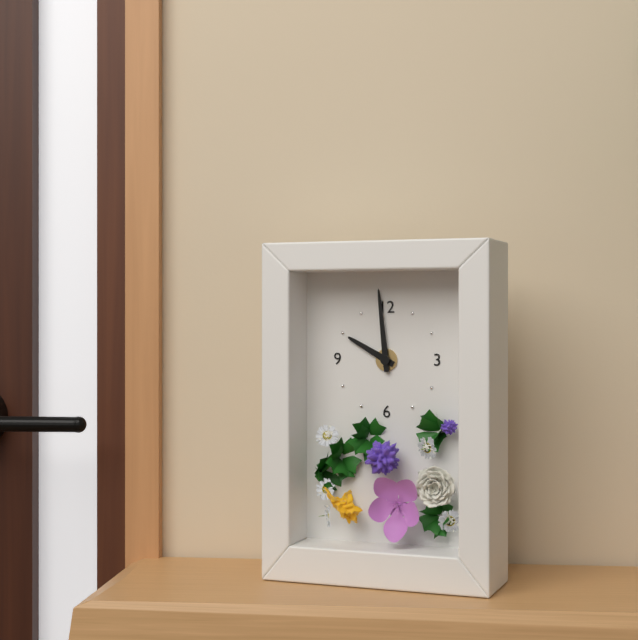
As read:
9.59
